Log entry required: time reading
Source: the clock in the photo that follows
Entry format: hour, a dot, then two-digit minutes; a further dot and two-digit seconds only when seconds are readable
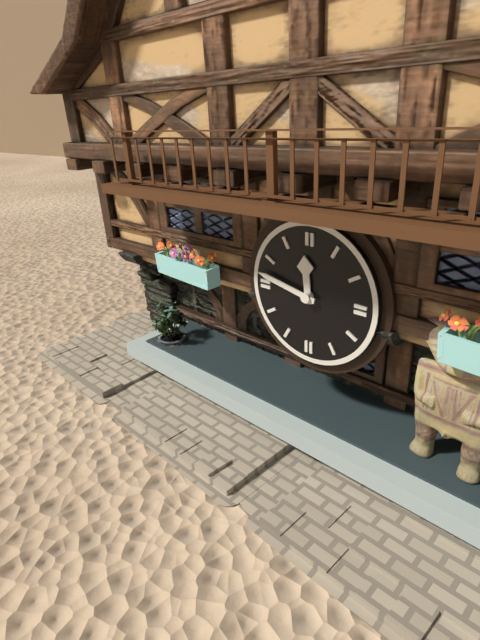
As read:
11.47
